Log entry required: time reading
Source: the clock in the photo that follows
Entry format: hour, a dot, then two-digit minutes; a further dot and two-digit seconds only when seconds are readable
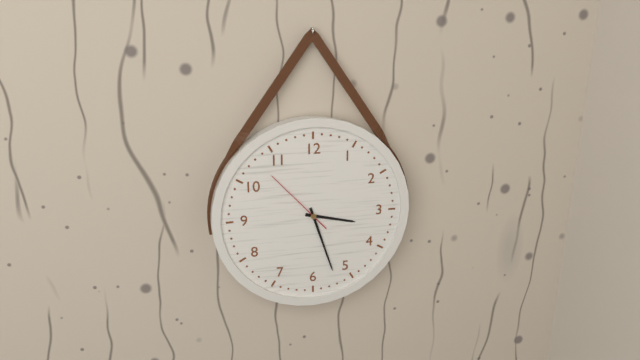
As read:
3.27.53
